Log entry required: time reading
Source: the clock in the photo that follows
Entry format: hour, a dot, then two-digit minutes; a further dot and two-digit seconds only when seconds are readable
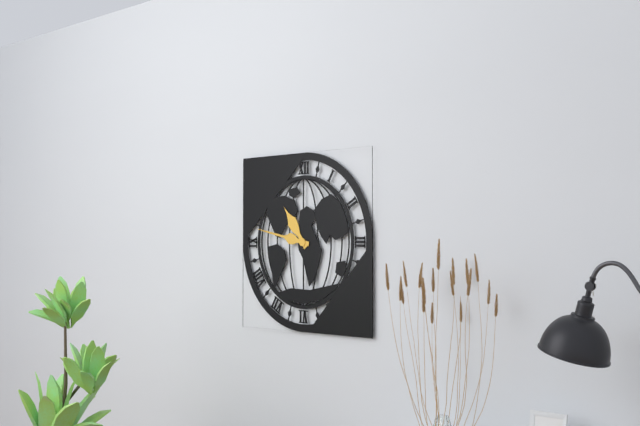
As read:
10.47
